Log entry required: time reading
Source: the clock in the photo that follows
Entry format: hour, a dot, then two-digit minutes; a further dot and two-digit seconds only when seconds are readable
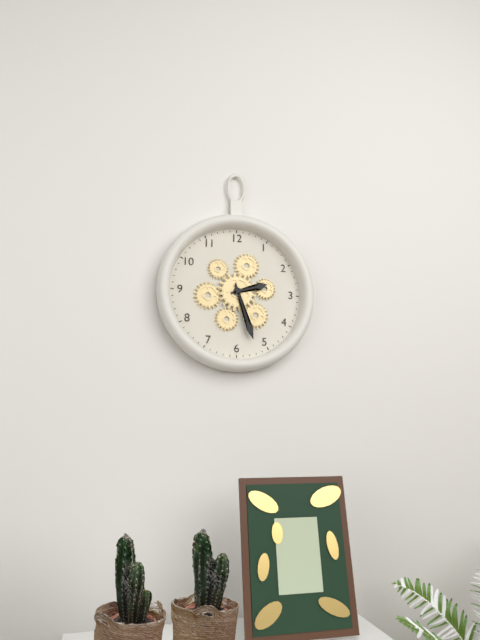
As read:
2.27
